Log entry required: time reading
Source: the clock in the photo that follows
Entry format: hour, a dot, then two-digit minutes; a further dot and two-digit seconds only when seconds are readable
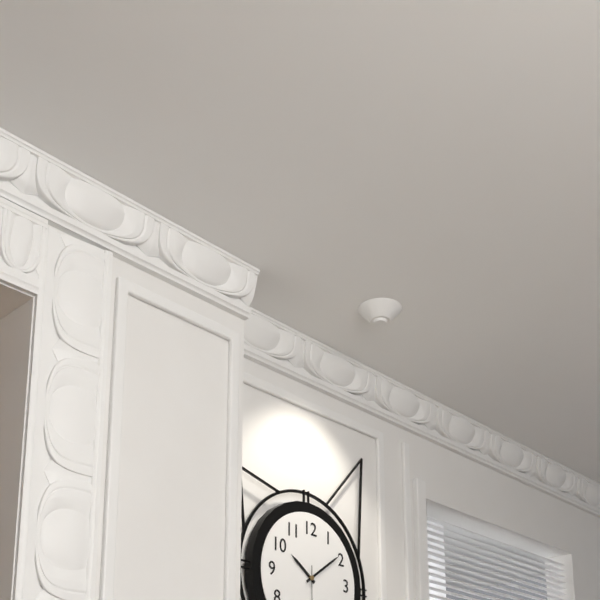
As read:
10.09
